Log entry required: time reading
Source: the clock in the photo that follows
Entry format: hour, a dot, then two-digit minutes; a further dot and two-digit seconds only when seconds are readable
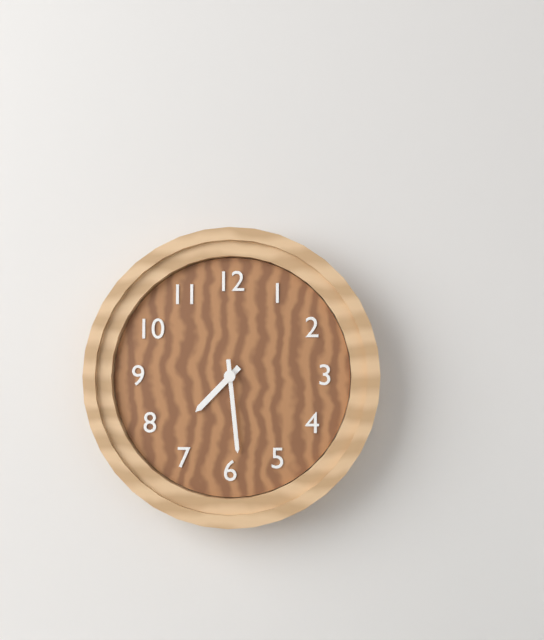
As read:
7.29
